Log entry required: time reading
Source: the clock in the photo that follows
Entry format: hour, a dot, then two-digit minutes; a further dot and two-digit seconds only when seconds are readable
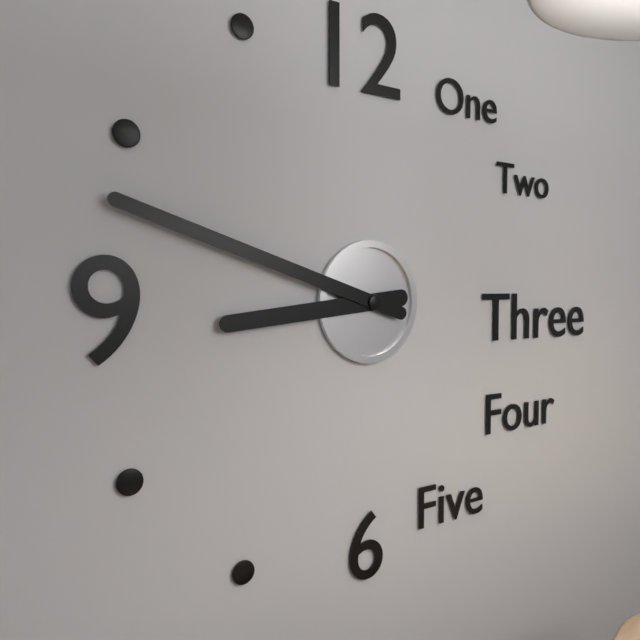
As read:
8.48
